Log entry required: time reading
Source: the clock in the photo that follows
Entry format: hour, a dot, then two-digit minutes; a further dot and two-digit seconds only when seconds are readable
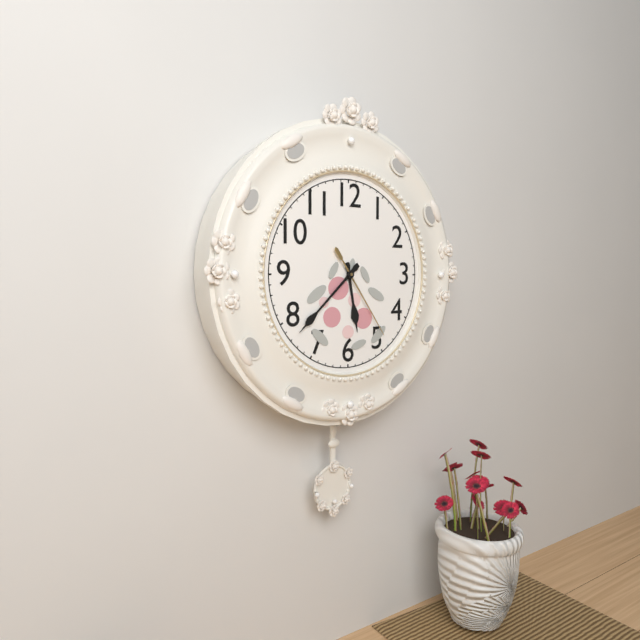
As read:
5.38.24
